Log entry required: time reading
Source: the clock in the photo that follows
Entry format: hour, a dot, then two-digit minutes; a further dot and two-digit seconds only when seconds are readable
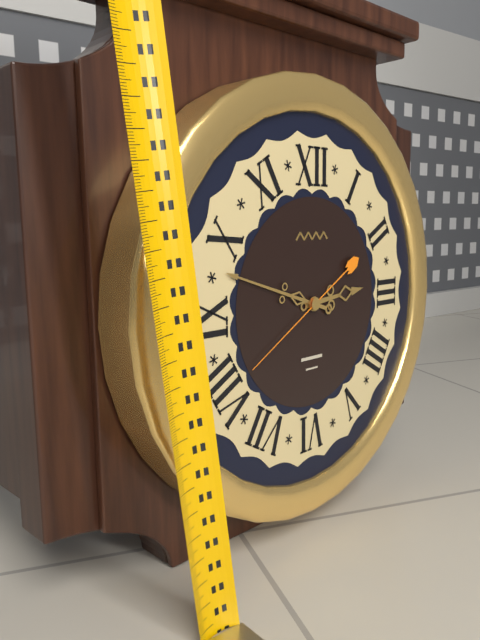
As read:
2.48.40
